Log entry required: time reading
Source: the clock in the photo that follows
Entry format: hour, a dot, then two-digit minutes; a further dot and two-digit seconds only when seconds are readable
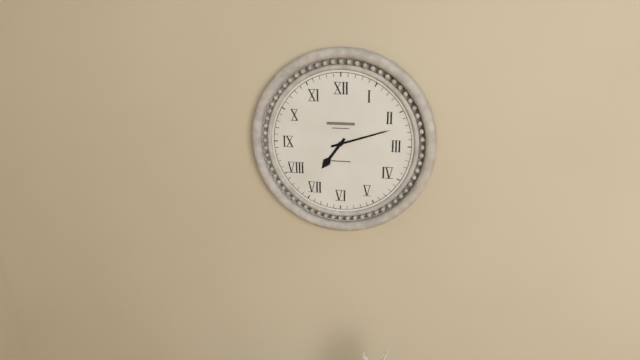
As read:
7.12
